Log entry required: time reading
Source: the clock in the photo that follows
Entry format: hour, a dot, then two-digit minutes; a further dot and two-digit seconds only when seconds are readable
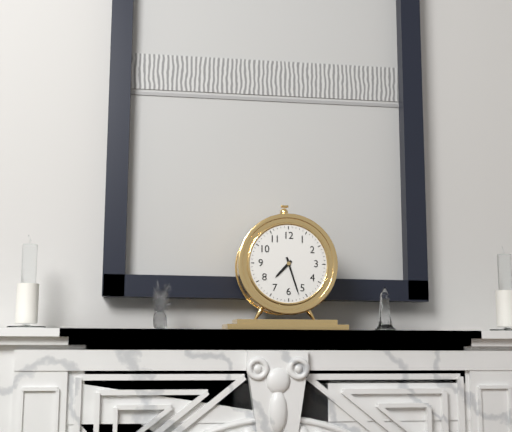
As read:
7.27
